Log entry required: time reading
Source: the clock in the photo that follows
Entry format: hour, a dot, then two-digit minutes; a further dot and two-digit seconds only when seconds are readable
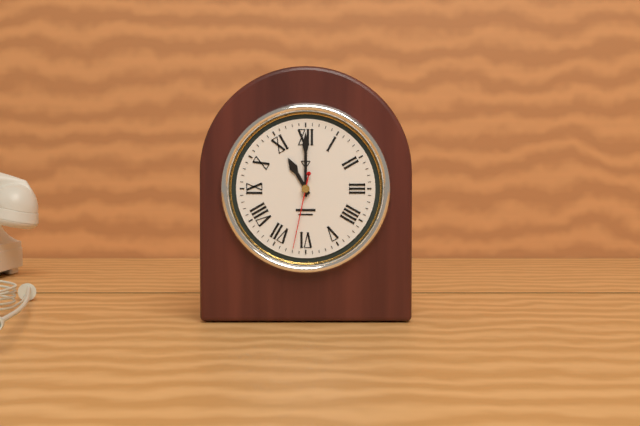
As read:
11.00.32
